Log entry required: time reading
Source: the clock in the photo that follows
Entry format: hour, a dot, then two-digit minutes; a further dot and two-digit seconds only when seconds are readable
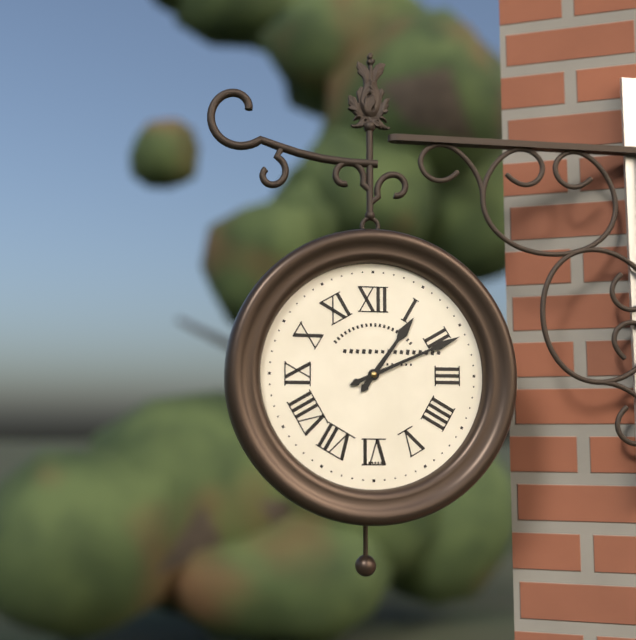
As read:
1.11
